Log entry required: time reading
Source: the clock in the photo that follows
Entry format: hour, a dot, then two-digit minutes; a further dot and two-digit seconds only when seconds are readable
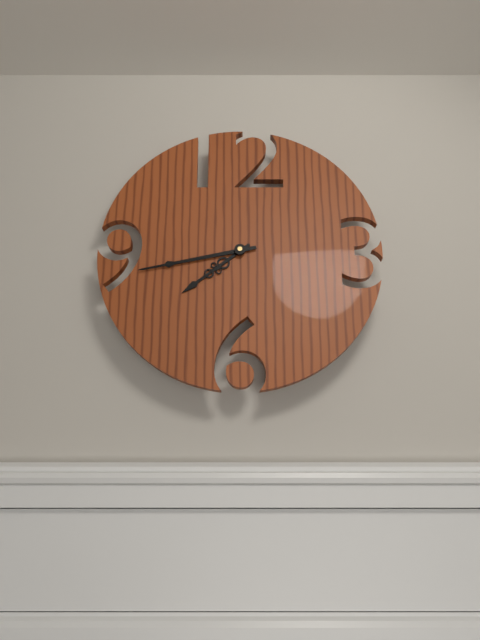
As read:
7.43
